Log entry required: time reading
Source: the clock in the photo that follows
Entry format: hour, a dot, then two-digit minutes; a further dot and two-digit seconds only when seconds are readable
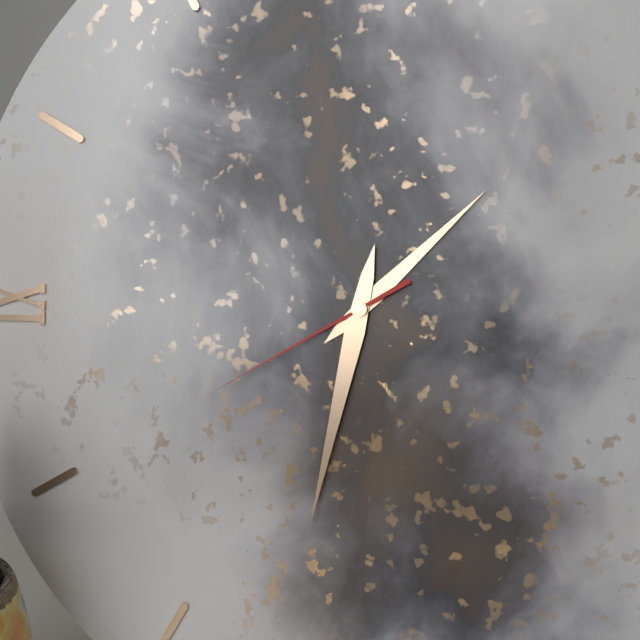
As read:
1.32.40
